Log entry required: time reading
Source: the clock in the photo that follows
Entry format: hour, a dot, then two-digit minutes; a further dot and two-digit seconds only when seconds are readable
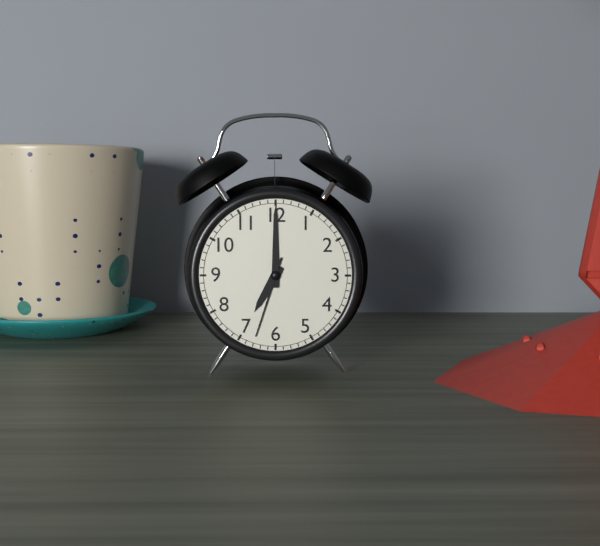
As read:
7.00.33
